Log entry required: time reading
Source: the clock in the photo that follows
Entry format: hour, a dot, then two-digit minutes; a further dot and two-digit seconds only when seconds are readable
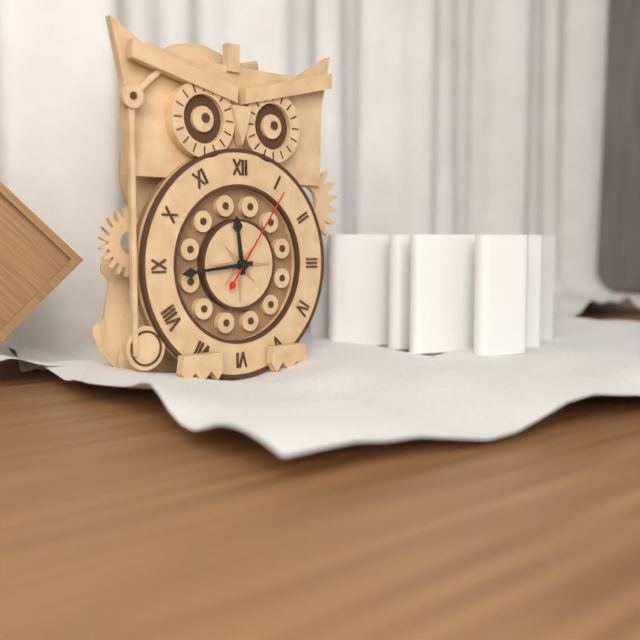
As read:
11.44.06
